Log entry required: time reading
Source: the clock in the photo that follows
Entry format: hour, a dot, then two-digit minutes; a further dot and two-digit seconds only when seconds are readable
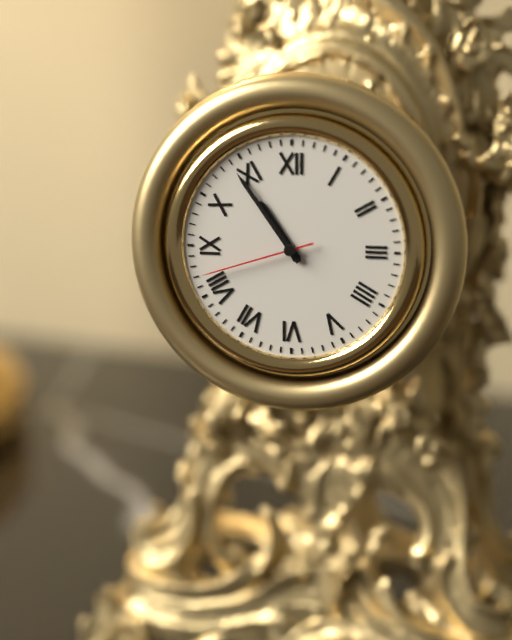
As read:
10.54.42
